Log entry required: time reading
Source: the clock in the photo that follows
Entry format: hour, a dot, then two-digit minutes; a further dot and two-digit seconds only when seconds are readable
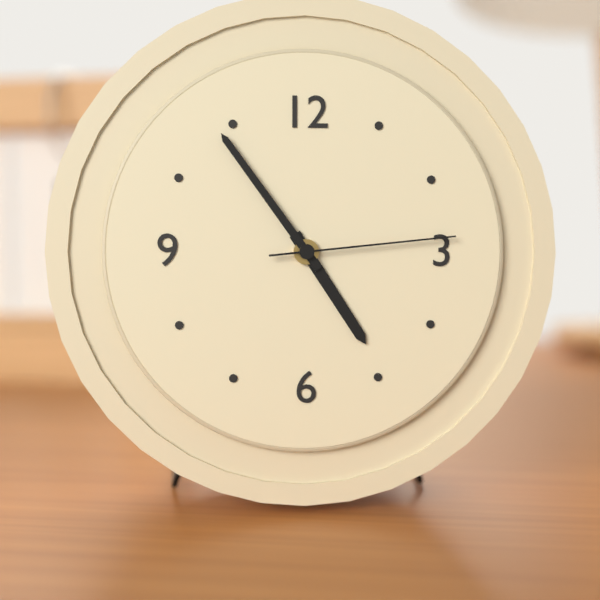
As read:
4.54.14
